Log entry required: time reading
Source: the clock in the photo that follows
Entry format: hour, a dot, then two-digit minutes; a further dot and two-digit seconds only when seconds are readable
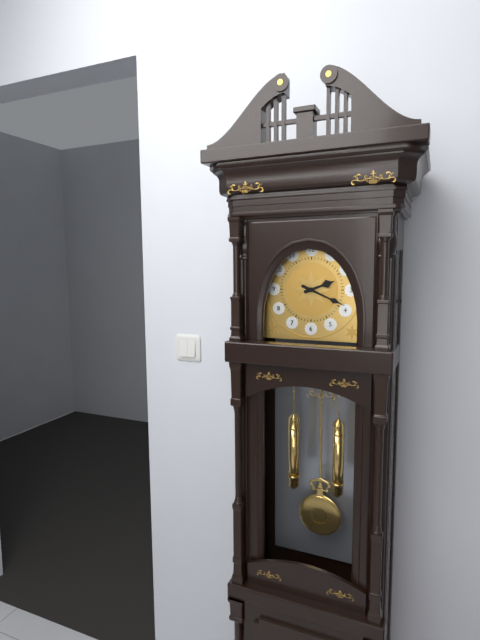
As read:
2.19
